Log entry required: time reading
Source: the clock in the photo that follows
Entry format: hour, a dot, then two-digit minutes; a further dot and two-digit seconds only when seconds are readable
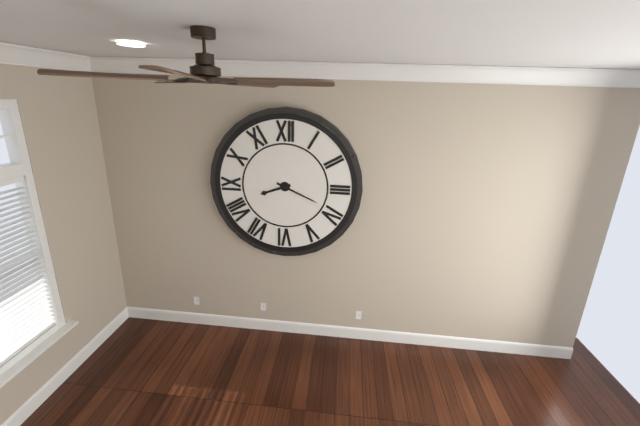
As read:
8.19
